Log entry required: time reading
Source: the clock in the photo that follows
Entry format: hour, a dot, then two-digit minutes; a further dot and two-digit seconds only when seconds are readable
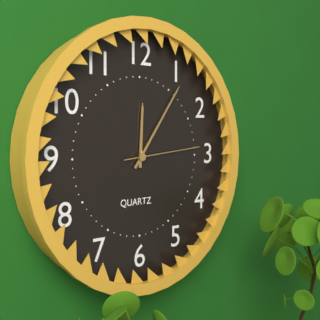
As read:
12.06.14
